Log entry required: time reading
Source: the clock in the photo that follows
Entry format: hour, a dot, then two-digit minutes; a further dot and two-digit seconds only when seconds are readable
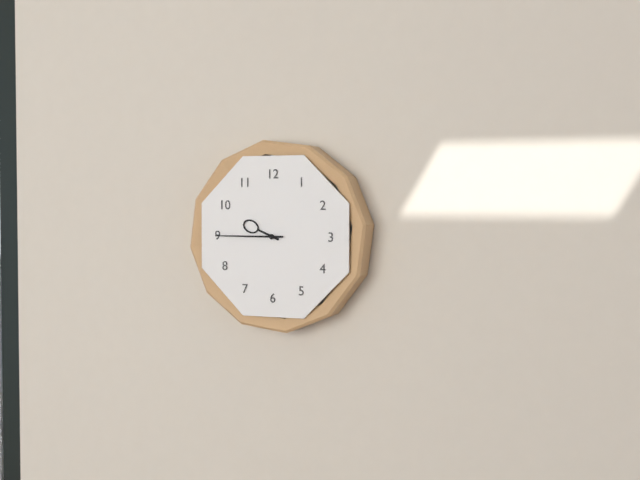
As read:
9.45
